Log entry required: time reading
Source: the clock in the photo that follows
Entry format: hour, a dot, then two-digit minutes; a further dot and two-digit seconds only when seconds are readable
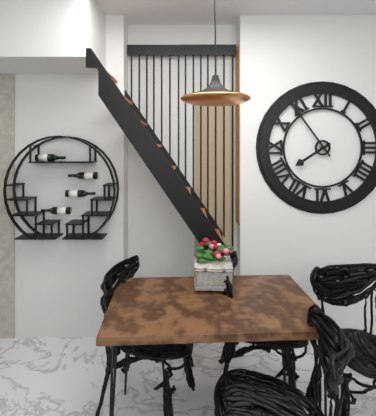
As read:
7.54
